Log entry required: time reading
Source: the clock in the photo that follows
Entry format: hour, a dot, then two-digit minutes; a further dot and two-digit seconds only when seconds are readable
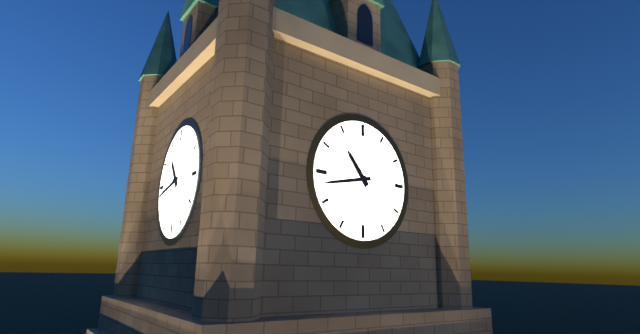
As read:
10.43
